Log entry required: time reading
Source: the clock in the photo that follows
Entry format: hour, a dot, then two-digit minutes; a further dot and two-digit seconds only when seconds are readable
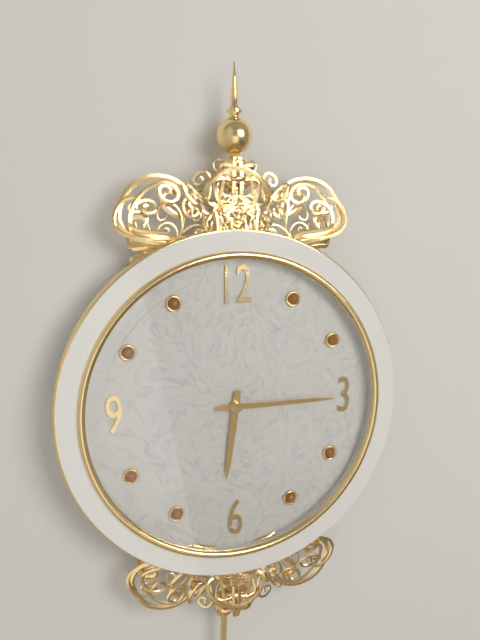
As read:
6.15
